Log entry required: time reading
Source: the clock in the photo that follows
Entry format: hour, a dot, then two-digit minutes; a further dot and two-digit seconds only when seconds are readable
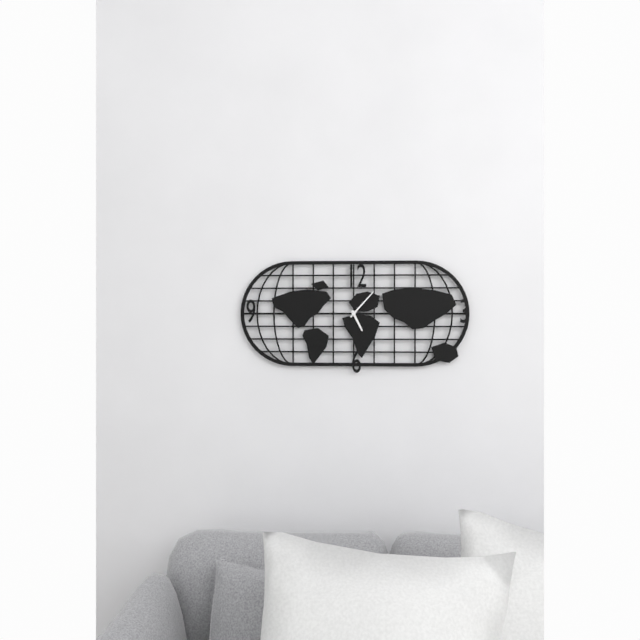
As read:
5.07
